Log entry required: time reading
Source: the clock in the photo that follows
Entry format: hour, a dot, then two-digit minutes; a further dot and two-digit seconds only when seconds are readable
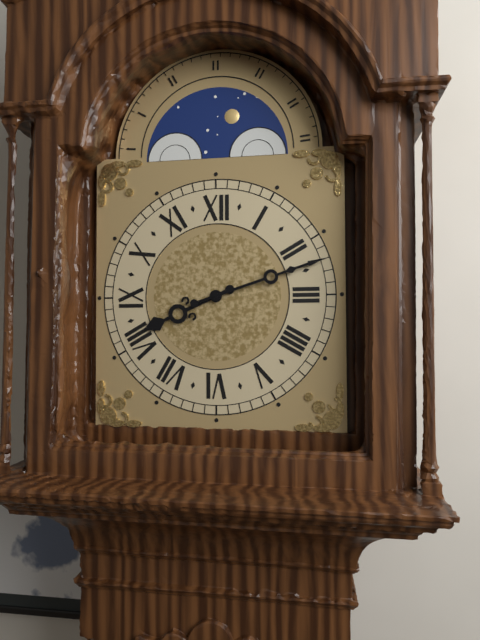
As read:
8.12
